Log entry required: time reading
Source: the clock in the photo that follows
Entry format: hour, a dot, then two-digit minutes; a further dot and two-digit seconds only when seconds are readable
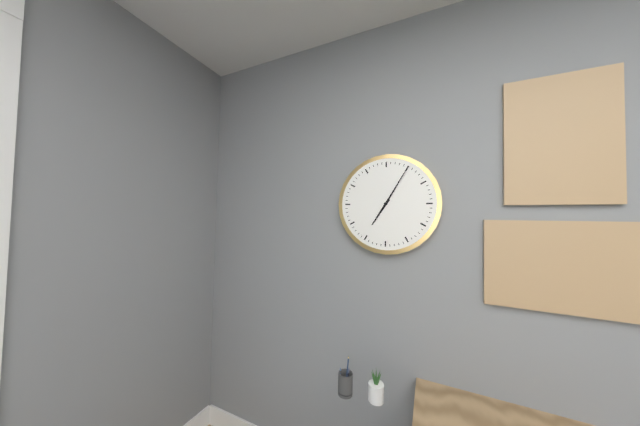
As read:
7.05
